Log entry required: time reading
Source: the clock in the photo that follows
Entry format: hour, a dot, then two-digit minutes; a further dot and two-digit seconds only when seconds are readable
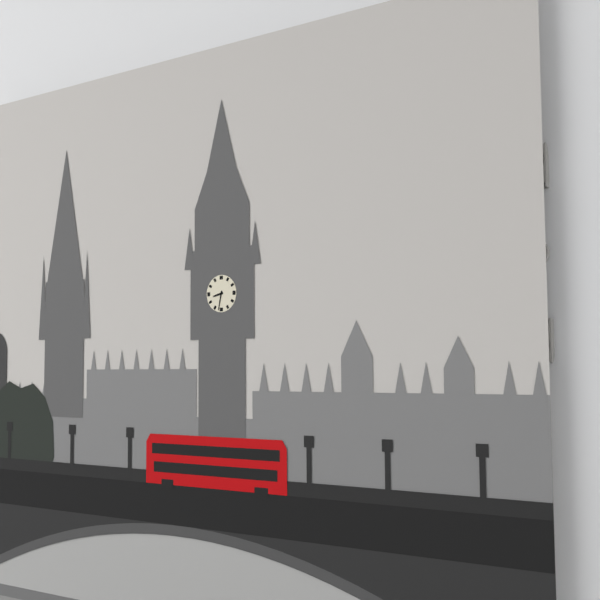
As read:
8.32
